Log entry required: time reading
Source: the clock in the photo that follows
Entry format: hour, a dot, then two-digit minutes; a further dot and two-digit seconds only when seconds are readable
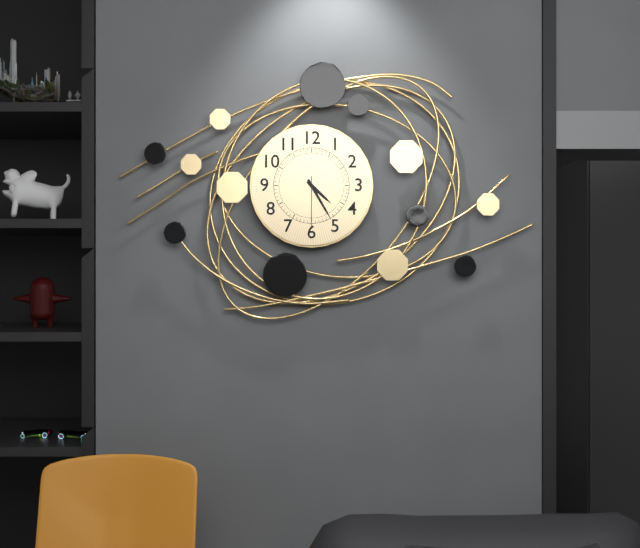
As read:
4.25.30
